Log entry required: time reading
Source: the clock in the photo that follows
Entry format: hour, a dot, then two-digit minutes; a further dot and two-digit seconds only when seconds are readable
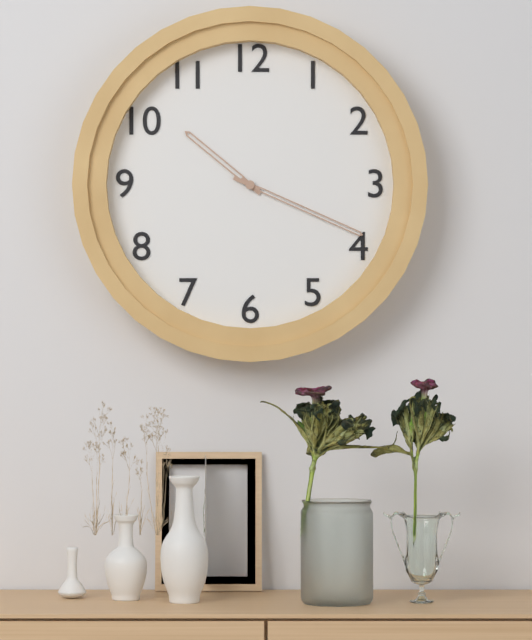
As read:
10.19
